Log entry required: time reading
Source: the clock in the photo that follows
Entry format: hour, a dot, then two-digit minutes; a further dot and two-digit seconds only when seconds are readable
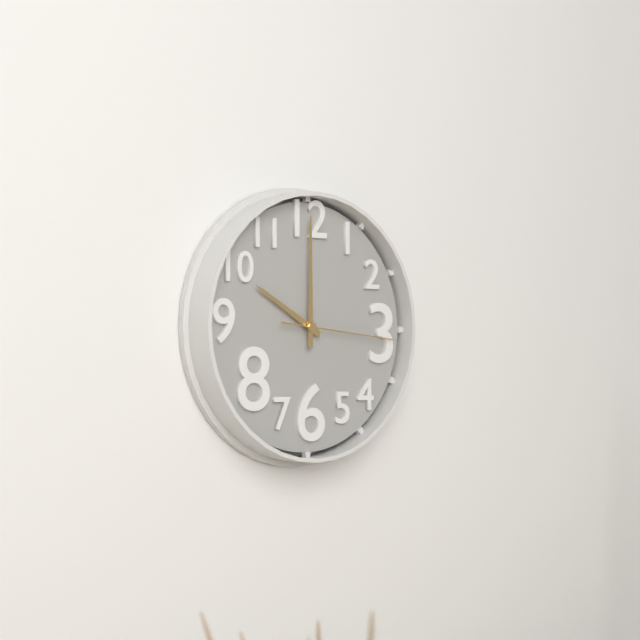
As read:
10.00.16
